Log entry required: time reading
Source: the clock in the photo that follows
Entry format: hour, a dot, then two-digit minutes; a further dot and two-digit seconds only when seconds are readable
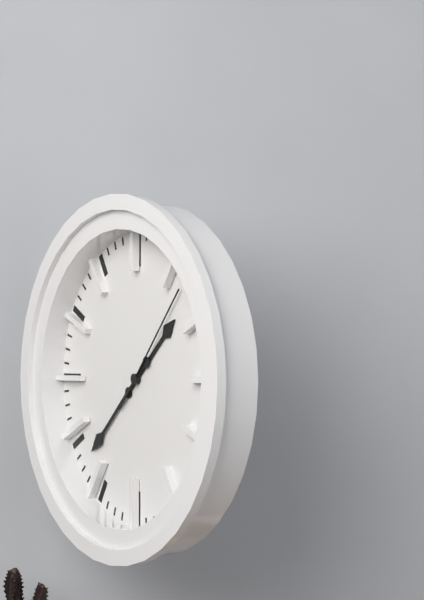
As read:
1.38.07
